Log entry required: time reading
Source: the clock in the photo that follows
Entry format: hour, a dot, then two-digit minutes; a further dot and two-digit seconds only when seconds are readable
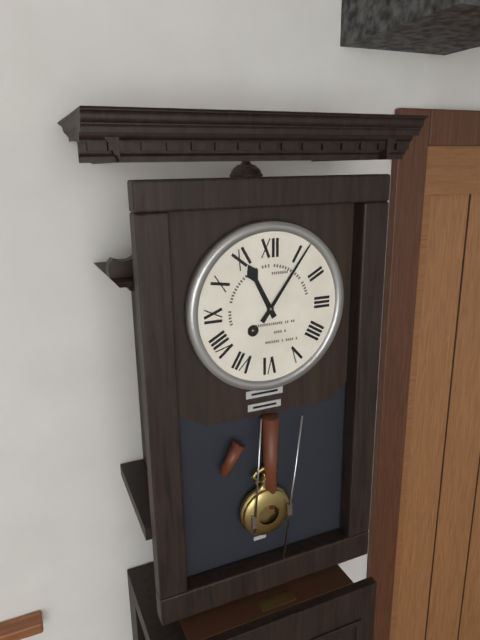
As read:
11.06
